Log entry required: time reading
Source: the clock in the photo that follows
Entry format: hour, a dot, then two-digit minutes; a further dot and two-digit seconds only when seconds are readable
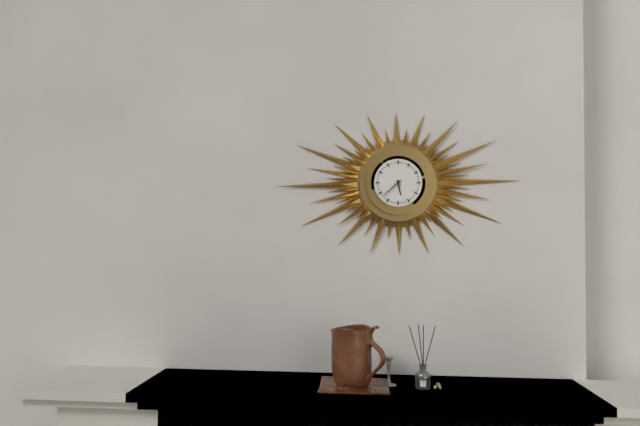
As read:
5.38
